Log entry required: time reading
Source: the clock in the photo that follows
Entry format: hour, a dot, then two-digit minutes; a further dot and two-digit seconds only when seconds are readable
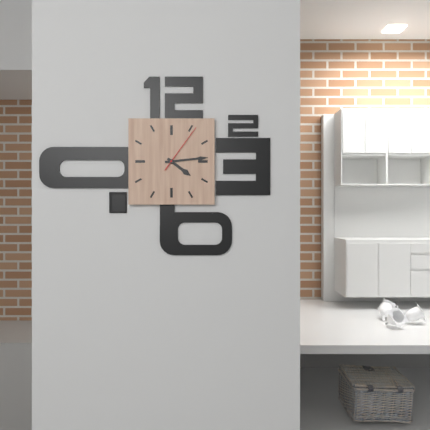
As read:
4.14.06
